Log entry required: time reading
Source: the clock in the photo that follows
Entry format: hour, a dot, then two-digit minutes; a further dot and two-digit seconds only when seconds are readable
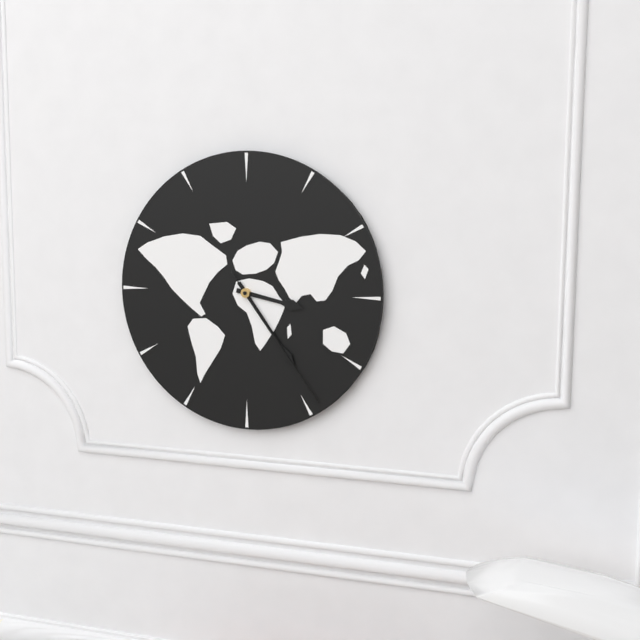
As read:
3.24.24
